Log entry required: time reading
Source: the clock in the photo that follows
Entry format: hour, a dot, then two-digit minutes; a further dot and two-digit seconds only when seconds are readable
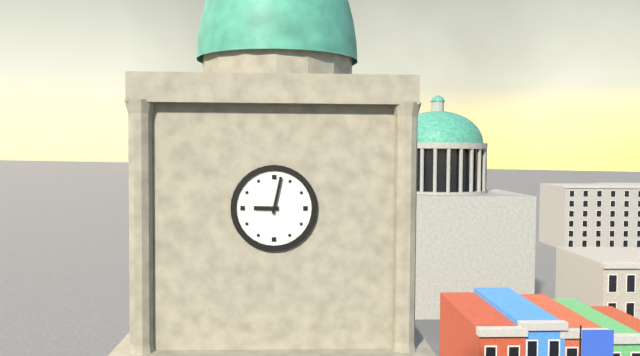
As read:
9.02
